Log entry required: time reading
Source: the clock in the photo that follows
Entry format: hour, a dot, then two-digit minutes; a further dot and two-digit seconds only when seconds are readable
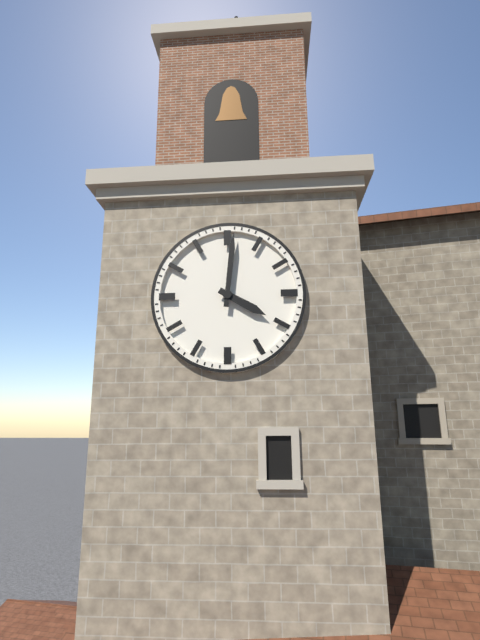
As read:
4.01
